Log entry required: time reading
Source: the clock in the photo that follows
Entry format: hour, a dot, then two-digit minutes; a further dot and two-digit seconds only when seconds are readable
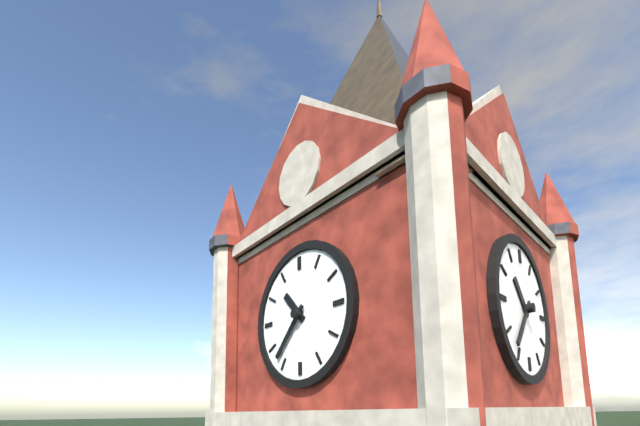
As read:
10.37
